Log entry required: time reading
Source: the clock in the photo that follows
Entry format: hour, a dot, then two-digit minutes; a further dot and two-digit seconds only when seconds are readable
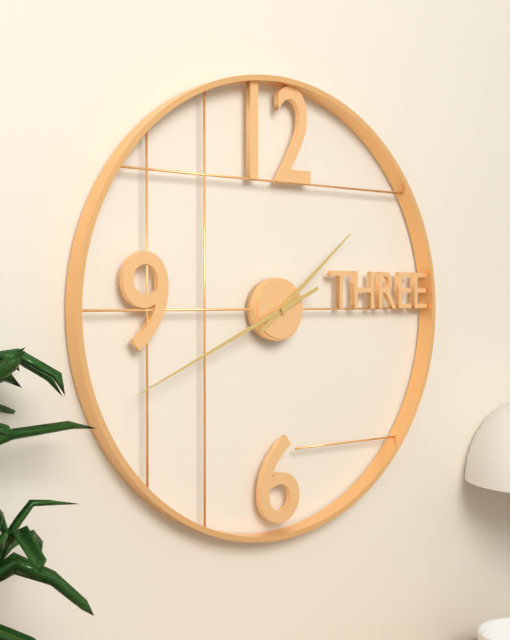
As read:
1.41
